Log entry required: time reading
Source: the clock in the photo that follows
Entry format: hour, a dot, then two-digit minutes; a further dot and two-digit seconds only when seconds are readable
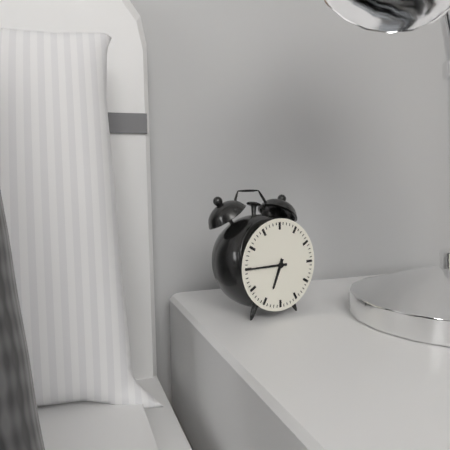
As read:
6.45
